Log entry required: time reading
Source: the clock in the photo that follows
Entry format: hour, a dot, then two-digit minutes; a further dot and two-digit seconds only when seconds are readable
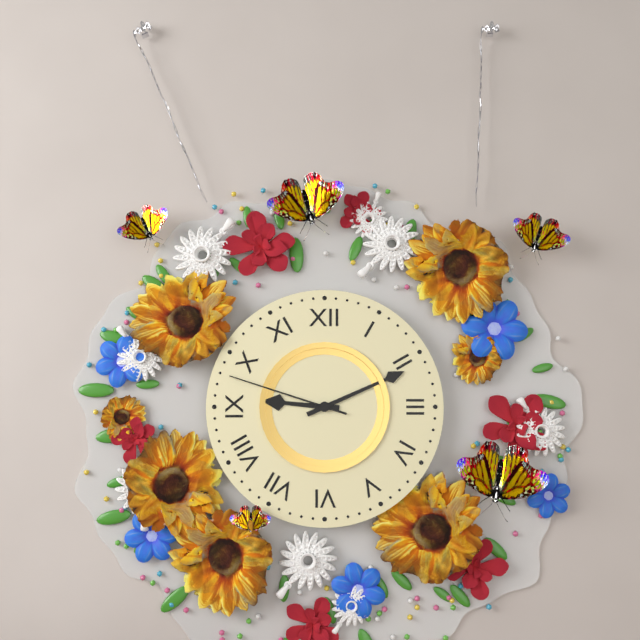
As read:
9.11.48
